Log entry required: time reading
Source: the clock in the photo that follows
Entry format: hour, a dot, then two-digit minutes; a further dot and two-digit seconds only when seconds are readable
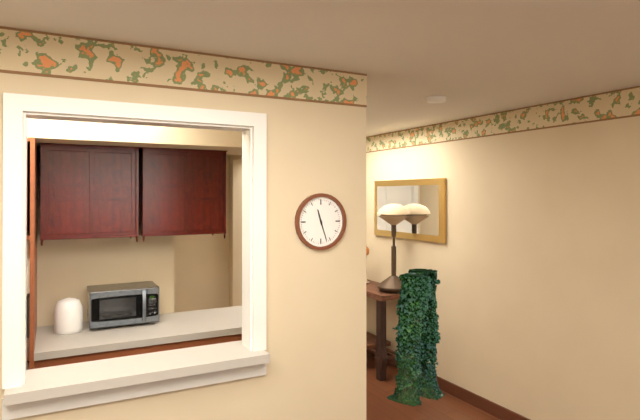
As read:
11.27
